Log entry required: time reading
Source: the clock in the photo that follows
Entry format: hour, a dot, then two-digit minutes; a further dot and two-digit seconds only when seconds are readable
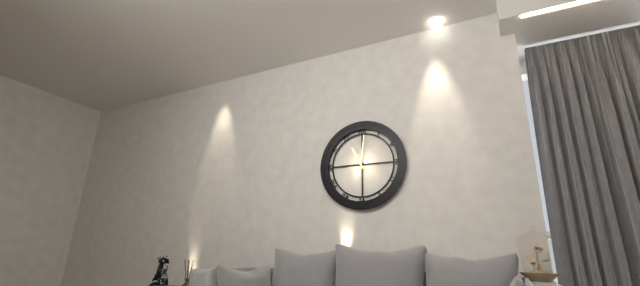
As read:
11.01
